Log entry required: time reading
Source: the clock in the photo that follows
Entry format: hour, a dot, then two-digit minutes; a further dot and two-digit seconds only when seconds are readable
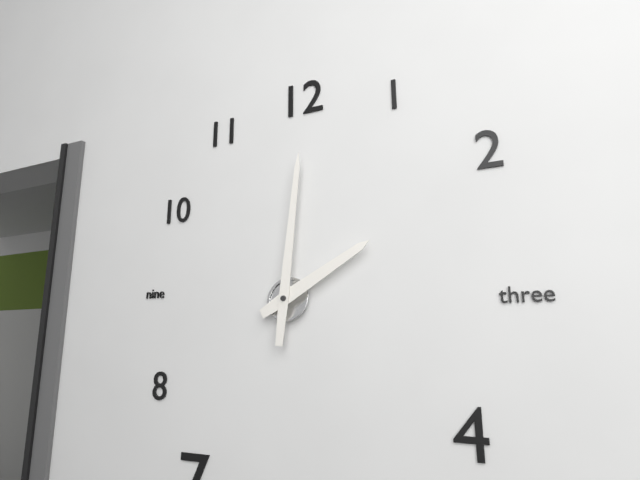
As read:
2.01
